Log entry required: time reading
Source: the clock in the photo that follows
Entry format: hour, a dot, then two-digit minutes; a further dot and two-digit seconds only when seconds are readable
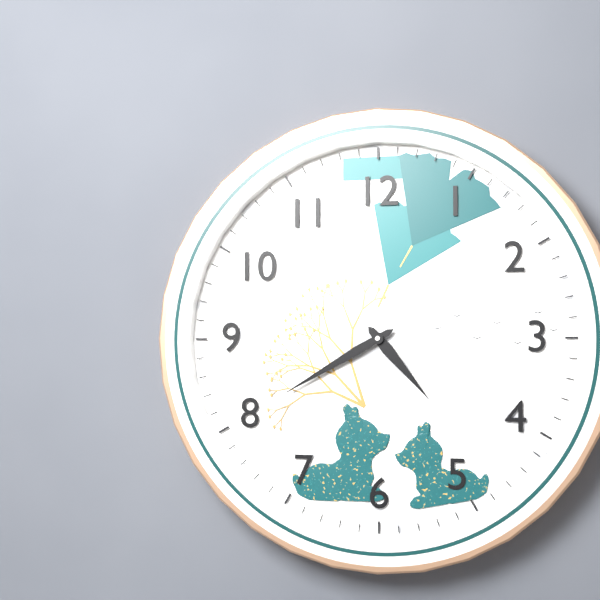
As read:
4.40
